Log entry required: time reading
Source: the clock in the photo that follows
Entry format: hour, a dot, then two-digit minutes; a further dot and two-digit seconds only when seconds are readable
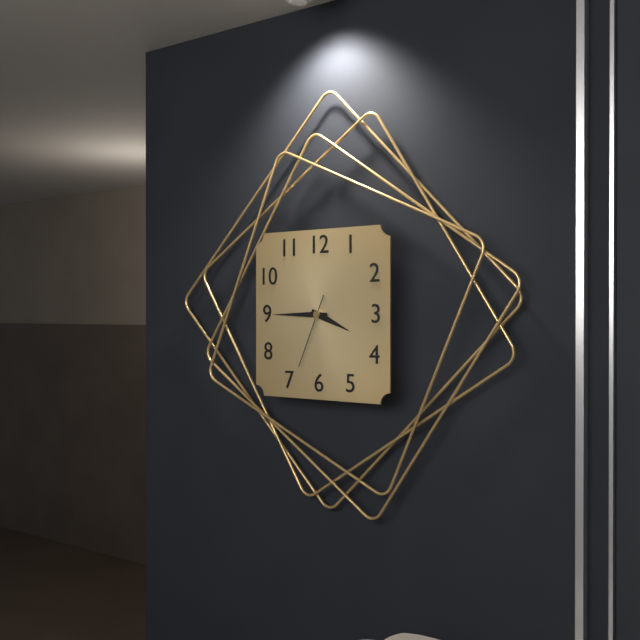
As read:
3.45.34
